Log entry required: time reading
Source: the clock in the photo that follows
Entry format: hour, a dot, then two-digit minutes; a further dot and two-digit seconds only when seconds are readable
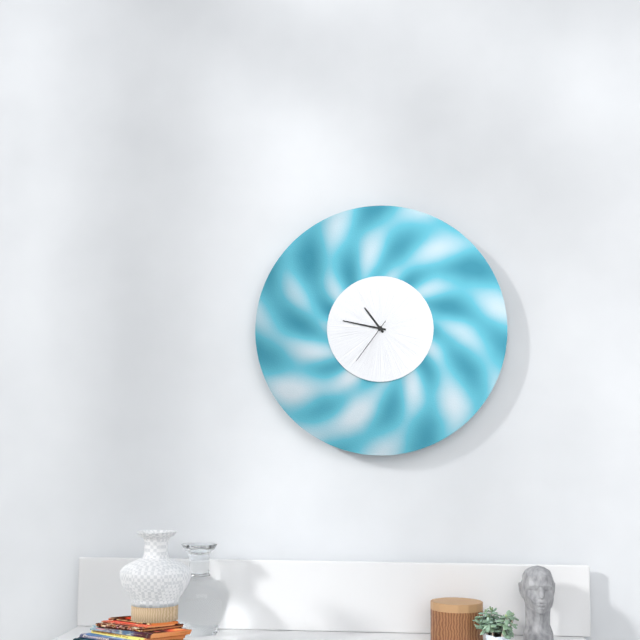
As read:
10.47.36
